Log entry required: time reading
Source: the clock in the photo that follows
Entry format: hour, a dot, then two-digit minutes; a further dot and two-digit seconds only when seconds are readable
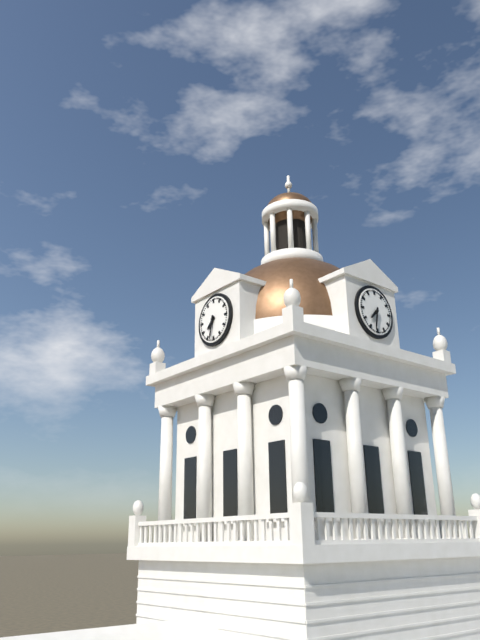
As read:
7.32
